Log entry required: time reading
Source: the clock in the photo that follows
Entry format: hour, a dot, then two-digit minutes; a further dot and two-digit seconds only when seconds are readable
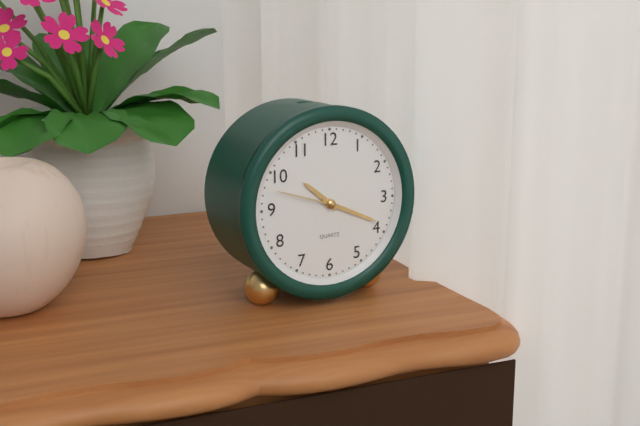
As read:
10.19.48
